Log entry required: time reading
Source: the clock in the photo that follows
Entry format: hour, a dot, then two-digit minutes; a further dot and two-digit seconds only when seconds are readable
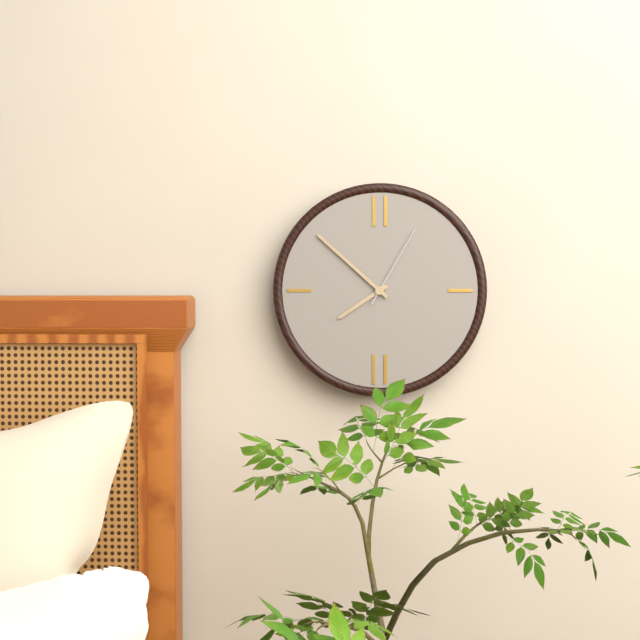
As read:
7.52.05
